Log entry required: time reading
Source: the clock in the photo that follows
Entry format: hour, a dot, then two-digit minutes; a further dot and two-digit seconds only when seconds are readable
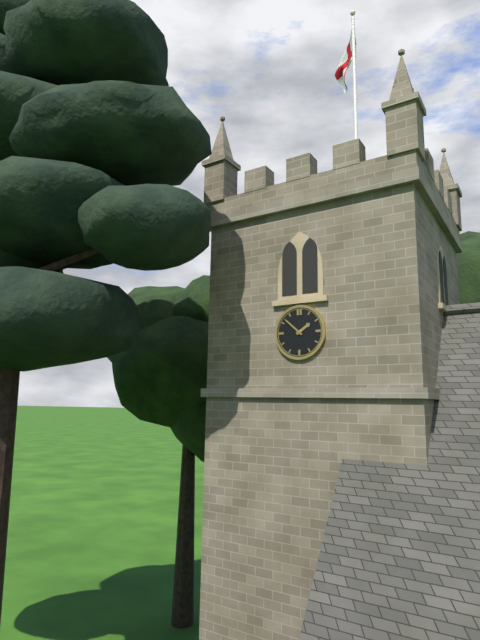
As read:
1.52
